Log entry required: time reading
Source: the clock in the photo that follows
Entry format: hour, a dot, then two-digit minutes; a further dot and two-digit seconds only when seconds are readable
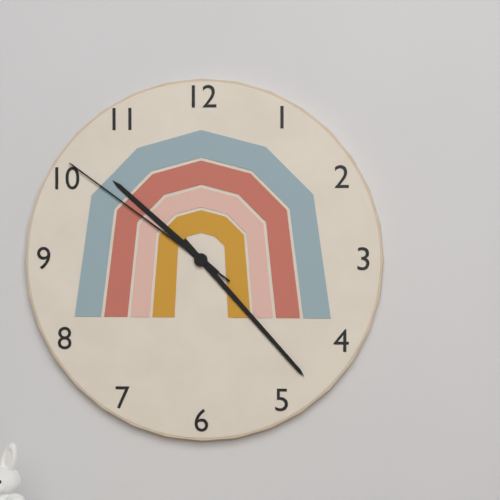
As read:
10.23.51
